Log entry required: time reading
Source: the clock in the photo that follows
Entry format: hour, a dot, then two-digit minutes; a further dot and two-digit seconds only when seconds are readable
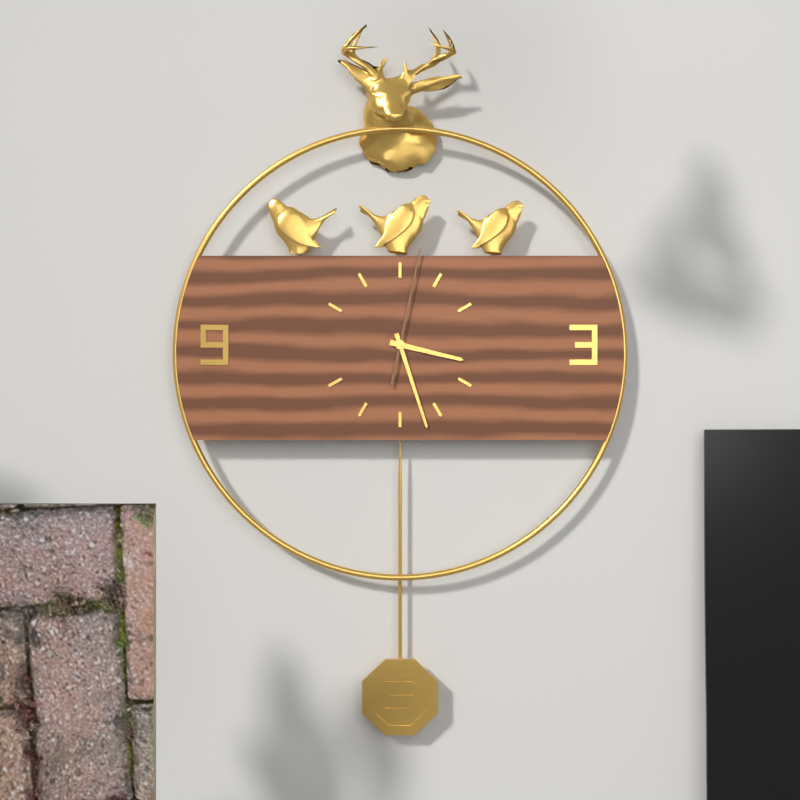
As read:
3.27.02
